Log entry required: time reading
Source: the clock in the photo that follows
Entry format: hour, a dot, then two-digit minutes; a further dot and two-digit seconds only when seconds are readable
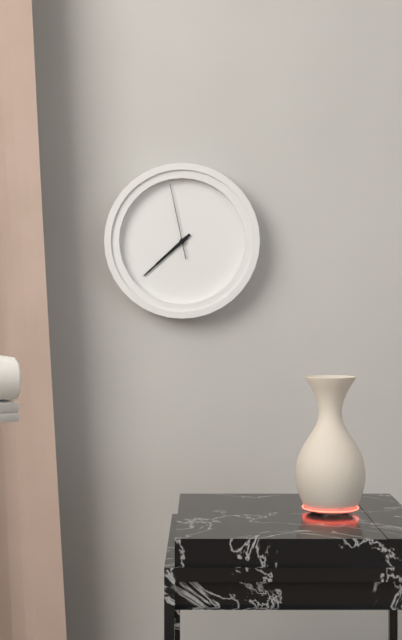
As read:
7.38.58
